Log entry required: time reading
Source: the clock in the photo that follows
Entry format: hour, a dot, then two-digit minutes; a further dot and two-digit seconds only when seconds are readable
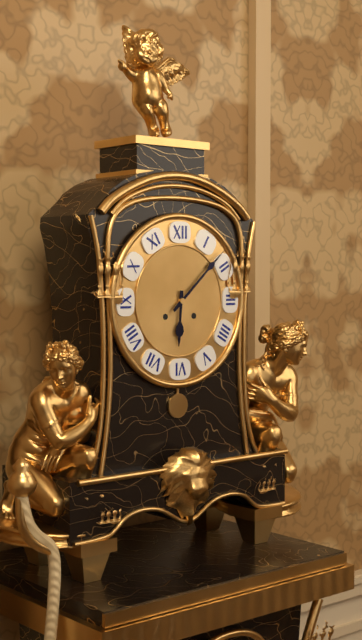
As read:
6.08
